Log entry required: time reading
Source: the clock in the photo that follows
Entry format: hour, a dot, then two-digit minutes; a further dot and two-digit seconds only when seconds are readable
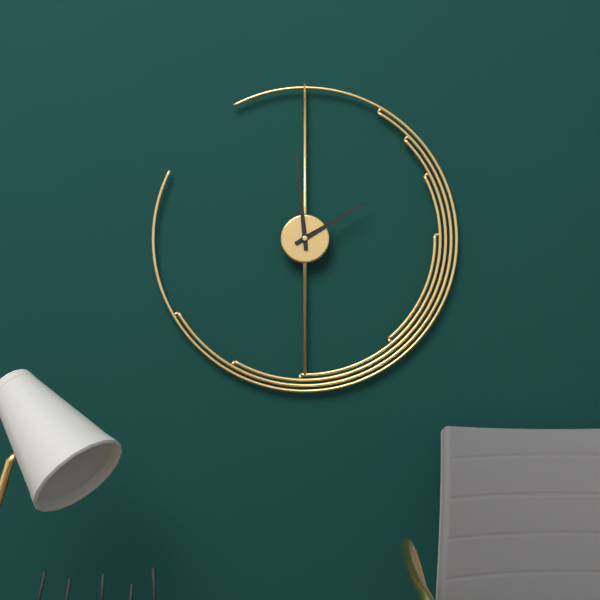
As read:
1.59
